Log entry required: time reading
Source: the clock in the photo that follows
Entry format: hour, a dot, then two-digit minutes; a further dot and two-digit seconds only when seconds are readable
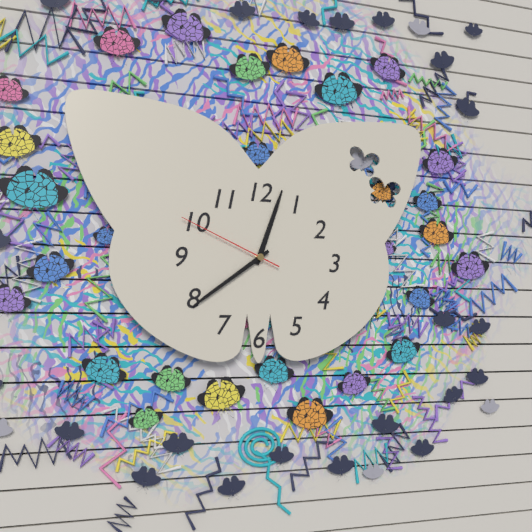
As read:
12.39.49
